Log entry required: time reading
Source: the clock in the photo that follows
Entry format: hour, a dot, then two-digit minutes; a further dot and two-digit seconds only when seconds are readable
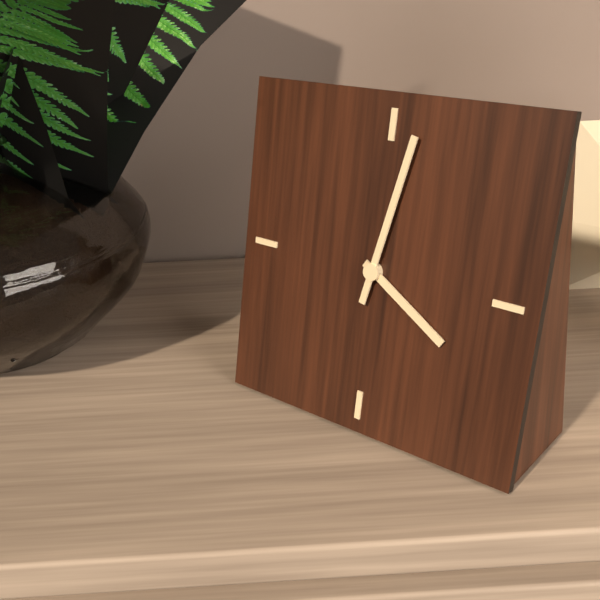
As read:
4.02
